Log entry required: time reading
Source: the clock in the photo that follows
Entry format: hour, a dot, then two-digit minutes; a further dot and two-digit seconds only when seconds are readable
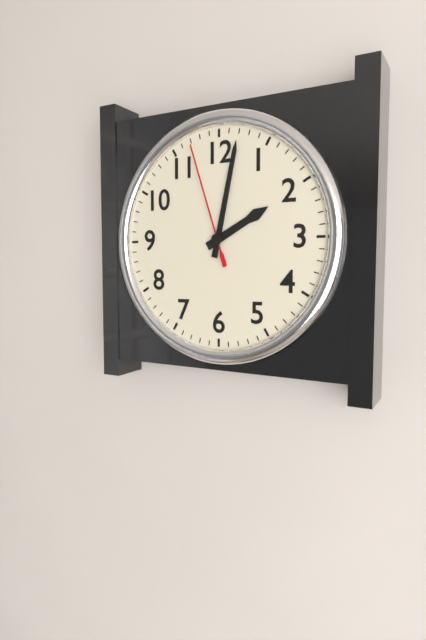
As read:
2.02.57
